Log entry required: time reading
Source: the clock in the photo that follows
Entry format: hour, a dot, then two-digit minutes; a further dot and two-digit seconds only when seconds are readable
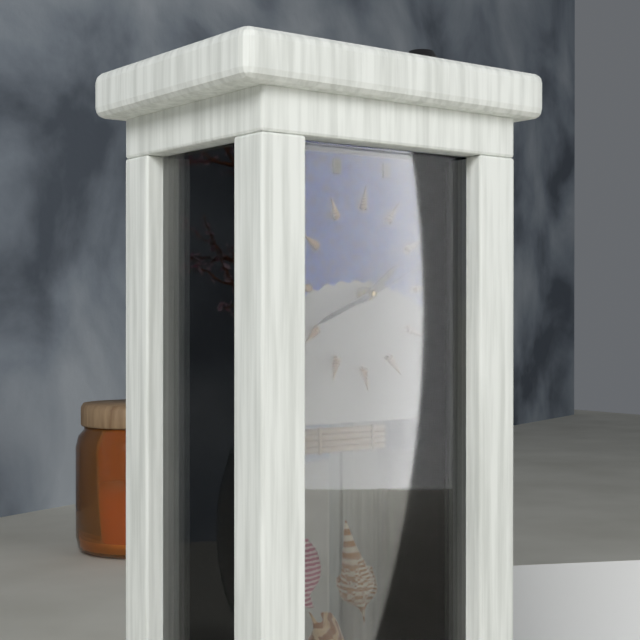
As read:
1.41.11
